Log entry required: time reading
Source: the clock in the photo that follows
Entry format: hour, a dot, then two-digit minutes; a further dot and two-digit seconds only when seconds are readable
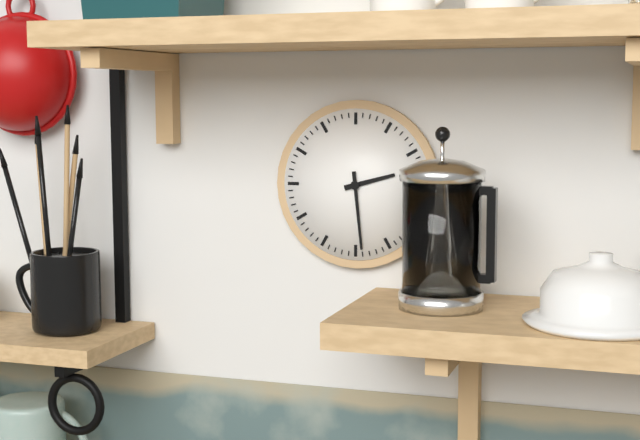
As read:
2.29
